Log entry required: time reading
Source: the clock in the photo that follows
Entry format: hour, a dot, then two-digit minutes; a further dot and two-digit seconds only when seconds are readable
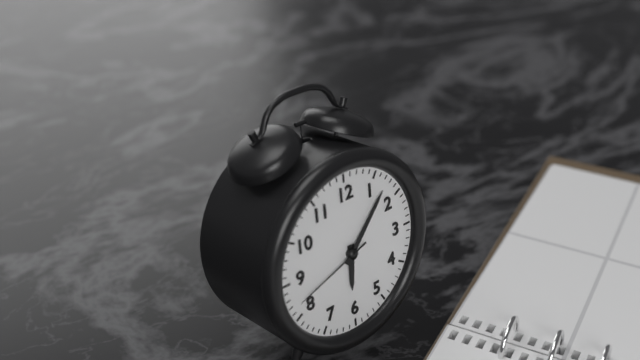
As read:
6.07.42
